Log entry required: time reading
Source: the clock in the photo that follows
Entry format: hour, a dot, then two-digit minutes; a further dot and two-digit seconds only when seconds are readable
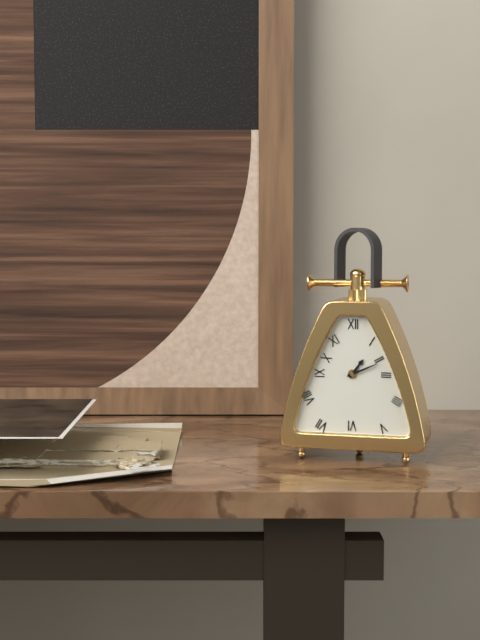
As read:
1.11
